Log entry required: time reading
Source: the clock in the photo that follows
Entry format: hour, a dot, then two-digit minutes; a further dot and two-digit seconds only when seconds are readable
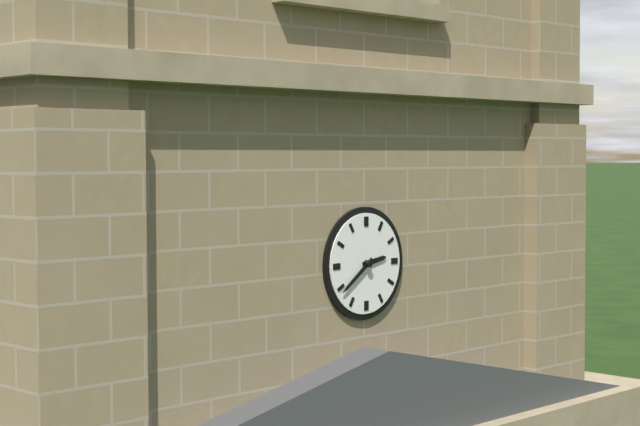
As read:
2.39
